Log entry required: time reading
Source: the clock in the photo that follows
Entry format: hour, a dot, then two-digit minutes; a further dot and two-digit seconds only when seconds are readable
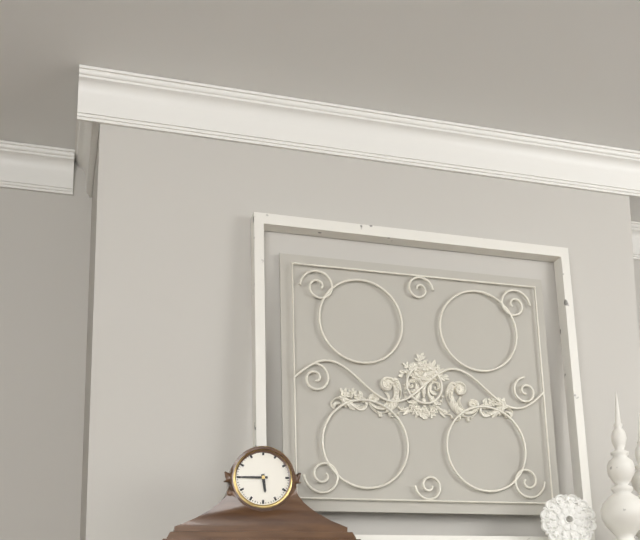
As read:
5.45
